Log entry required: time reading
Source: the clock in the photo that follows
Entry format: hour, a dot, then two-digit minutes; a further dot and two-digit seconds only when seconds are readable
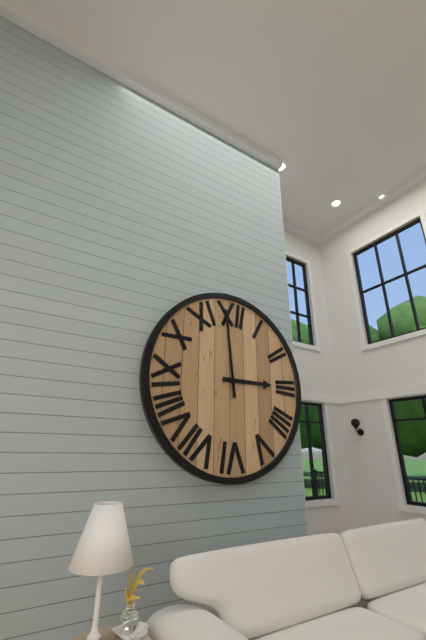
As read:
2.59
